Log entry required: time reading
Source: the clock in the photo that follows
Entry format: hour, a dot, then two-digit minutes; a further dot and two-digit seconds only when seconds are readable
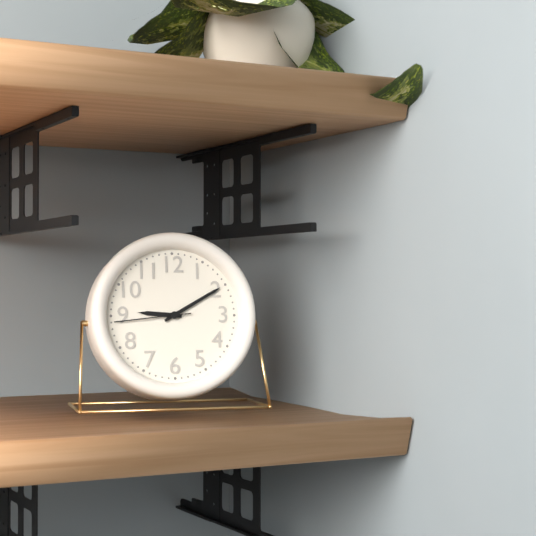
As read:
9.10.44
